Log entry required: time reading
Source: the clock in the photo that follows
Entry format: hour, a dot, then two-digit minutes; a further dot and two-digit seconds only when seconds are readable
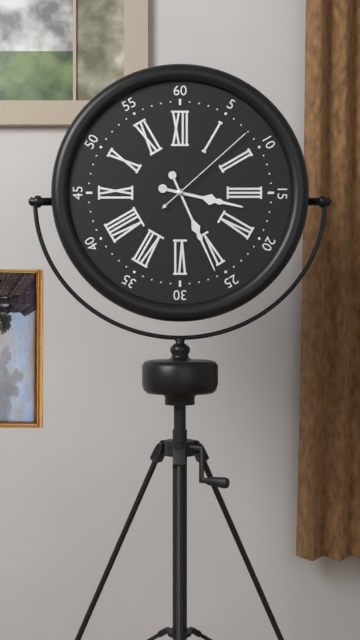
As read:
3.26.08
